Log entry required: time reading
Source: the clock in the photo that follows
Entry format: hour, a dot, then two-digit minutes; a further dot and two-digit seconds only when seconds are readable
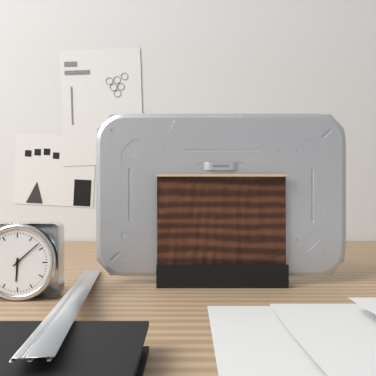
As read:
6.08
